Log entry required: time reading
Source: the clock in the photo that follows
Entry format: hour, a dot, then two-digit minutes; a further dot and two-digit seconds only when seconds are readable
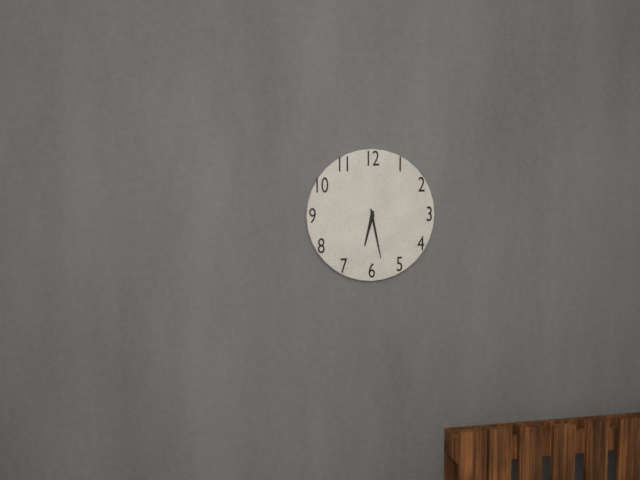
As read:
6.28
